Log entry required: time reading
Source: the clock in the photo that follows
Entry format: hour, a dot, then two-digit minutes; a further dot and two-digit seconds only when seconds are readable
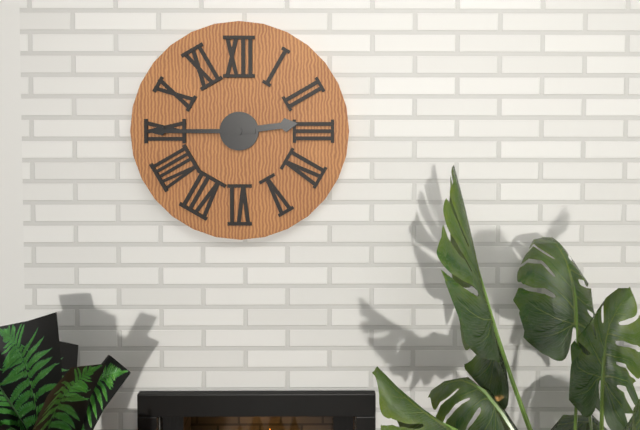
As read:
2.45
